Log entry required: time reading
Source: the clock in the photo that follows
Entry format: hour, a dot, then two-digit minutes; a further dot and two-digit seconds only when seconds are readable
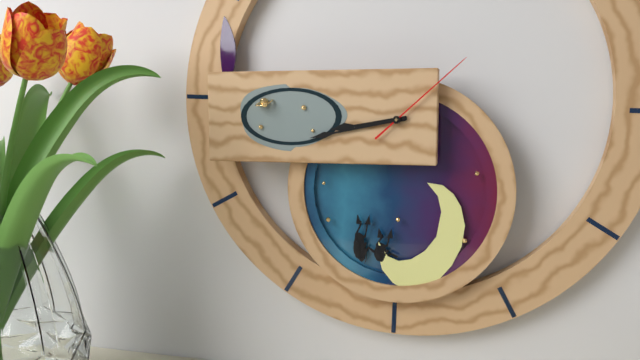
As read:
8.43.08
